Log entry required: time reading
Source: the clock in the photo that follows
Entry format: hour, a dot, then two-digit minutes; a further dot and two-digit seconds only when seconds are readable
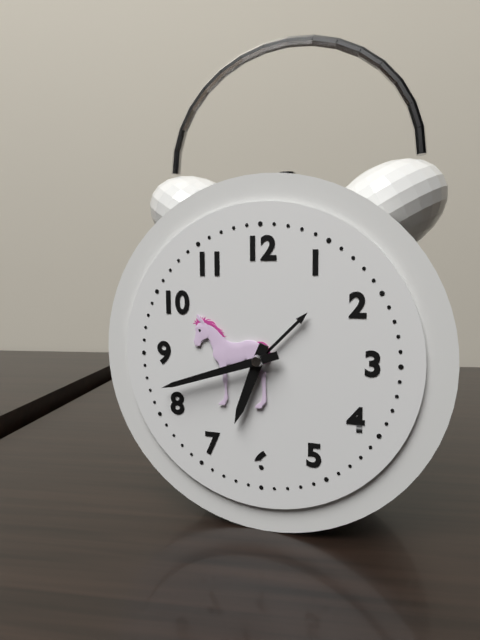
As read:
6.42
